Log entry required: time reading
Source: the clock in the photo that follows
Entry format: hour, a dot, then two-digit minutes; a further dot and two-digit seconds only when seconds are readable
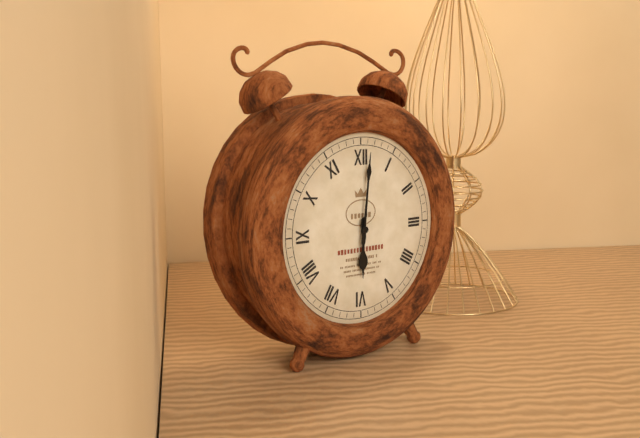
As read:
6.01
